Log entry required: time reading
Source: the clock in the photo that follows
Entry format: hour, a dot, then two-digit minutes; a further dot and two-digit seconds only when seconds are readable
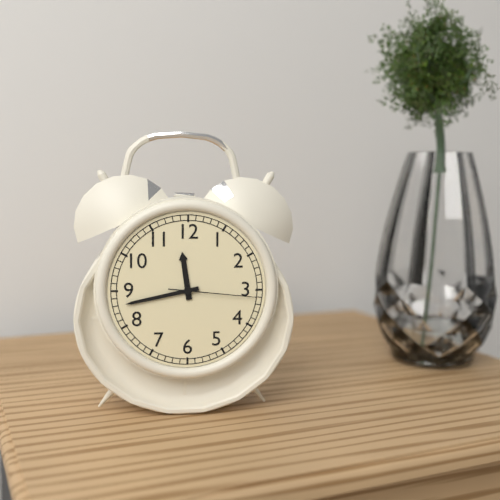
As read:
11.43.16
